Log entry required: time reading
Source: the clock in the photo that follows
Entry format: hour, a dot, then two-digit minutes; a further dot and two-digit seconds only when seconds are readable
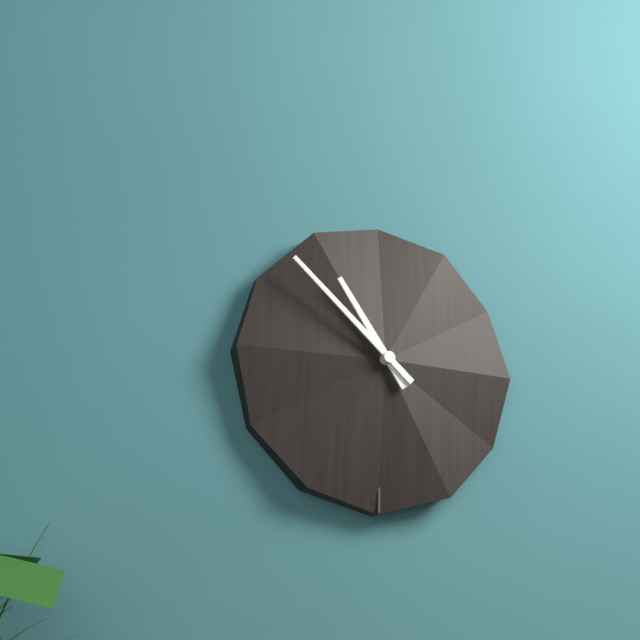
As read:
10.52
